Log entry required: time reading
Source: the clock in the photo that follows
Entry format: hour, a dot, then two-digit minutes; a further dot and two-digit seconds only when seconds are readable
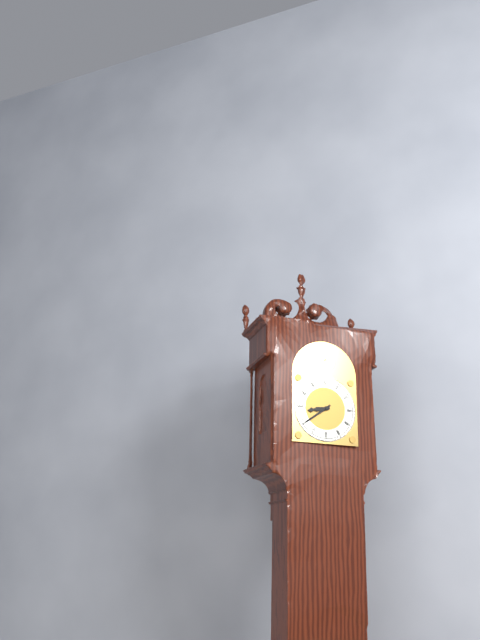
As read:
8.39
